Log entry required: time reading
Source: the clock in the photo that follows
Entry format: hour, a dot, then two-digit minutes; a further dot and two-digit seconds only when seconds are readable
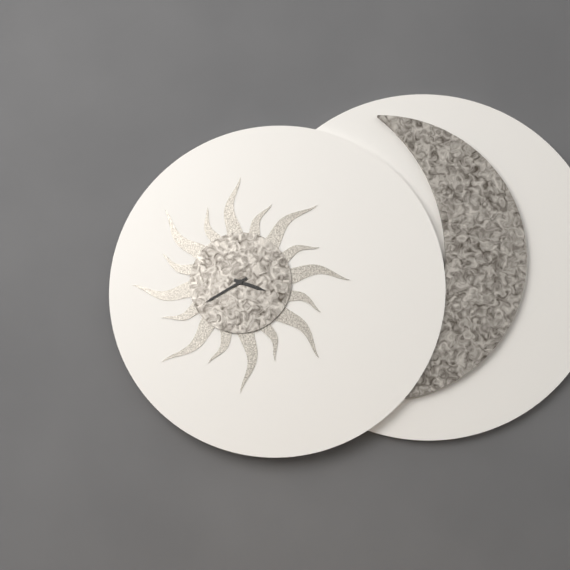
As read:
3.40
